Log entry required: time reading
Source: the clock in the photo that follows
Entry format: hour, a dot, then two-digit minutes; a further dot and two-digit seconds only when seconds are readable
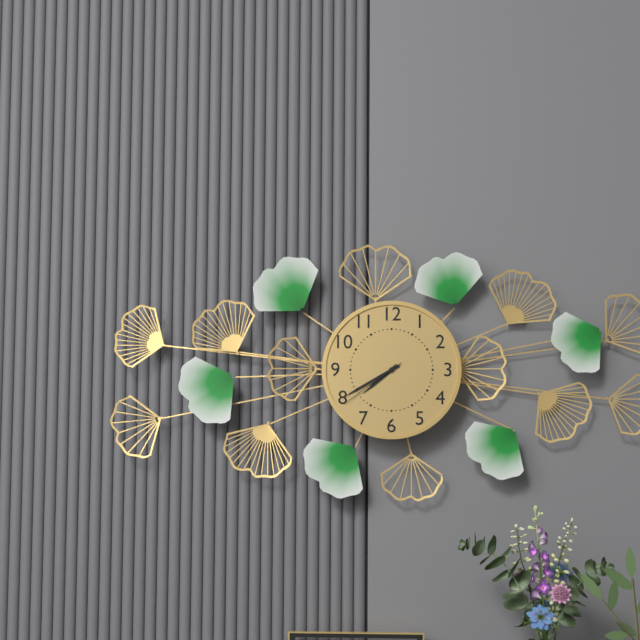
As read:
7.40.39
